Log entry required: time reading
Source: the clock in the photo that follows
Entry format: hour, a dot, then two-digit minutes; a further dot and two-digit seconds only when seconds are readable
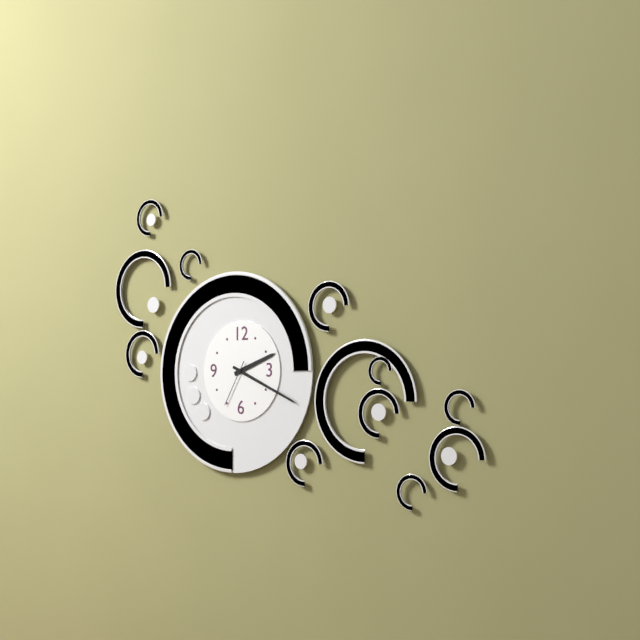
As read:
2.19.35
